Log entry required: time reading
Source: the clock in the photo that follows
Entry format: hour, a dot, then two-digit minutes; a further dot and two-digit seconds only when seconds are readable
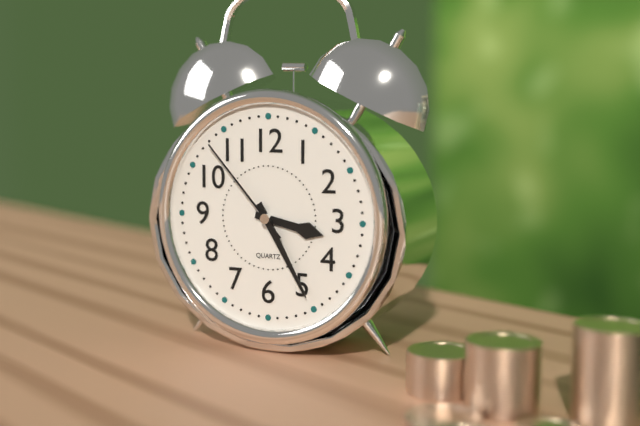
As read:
3.25.53
